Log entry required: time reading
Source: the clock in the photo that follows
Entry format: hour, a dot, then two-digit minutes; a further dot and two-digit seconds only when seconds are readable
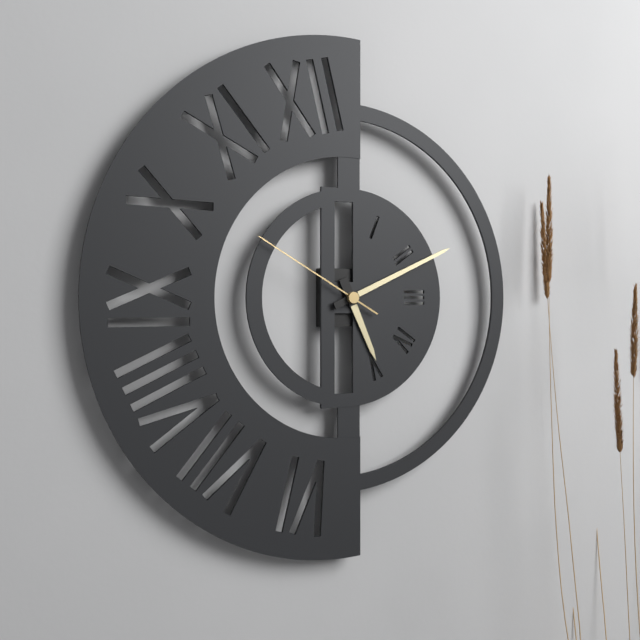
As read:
5.11.50
